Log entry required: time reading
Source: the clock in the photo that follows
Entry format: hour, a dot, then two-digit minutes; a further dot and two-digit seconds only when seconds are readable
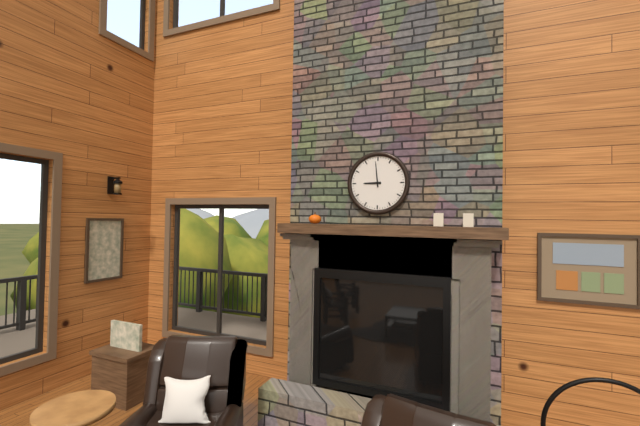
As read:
8.59
